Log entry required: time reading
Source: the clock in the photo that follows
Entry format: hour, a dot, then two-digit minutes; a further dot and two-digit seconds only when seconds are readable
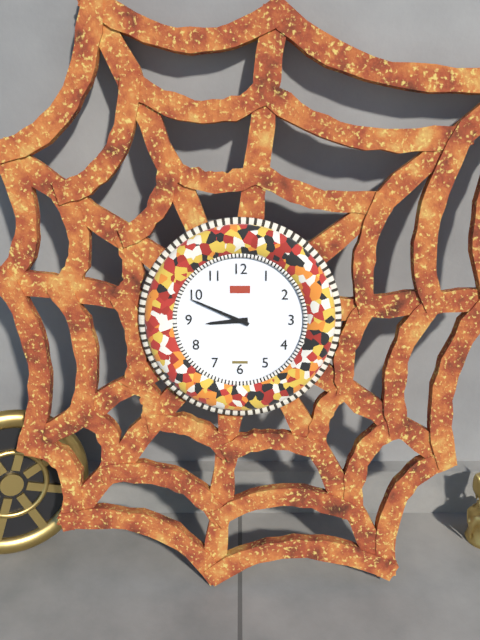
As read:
8.49
